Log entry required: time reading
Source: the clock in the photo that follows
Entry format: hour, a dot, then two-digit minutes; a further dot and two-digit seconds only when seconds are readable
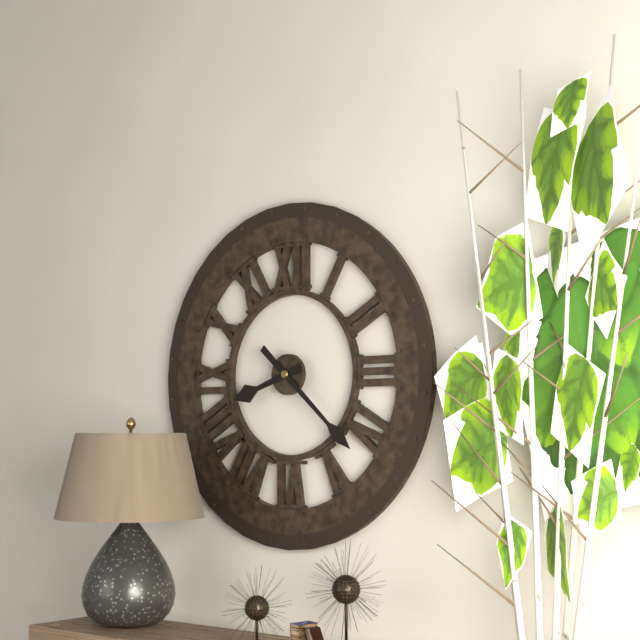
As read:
8.22
